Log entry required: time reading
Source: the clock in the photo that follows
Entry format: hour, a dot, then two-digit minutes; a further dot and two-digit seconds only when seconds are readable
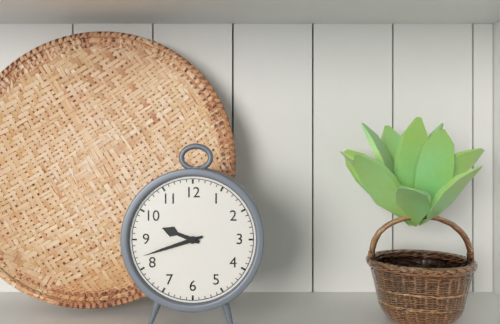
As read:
9.42
